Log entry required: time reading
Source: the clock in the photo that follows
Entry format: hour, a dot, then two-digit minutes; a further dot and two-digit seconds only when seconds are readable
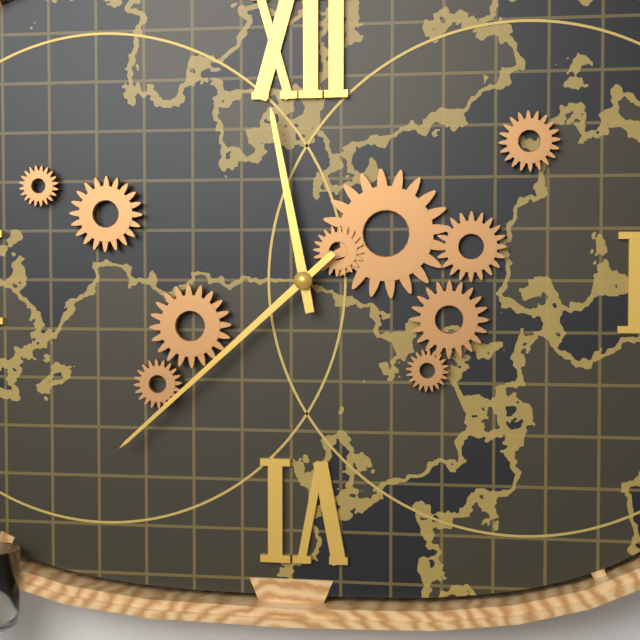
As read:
11.38
